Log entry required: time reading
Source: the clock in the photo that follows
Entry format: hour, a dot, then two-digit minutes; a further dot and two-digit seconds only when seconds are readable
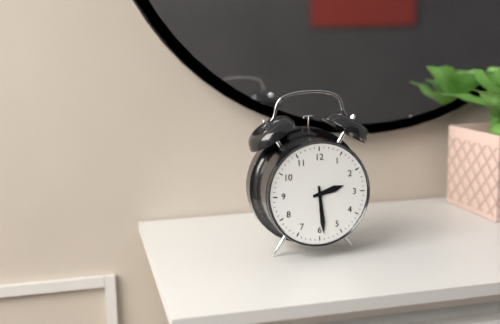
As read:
2.29
